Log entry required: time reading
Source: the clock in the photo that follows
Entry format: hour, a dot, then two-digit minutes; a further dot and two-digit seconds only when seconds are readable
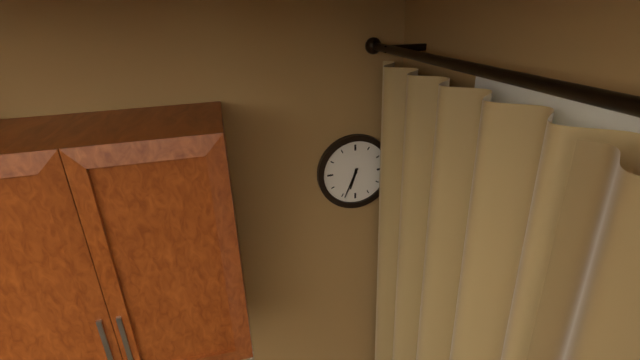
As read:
6.34
